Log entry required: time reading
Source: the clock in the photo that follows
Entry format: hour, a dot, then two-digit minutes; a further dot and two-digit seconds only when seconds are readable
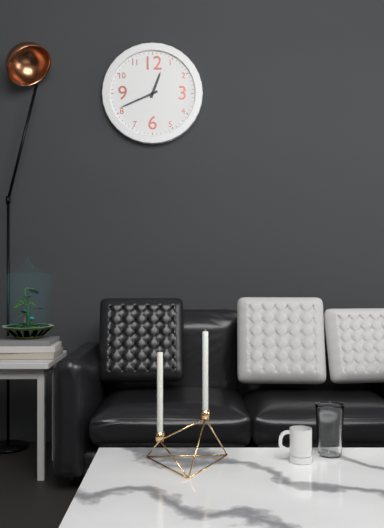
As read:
12.41
